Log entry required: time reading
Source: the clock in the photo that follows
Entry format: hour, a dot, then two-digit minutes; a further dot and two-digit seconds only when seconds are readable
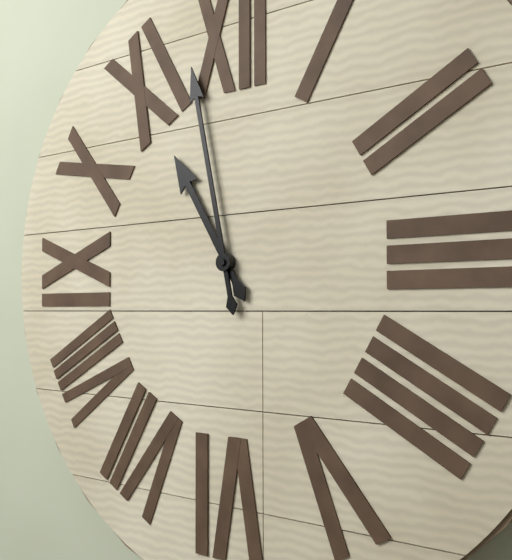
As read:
10.58
